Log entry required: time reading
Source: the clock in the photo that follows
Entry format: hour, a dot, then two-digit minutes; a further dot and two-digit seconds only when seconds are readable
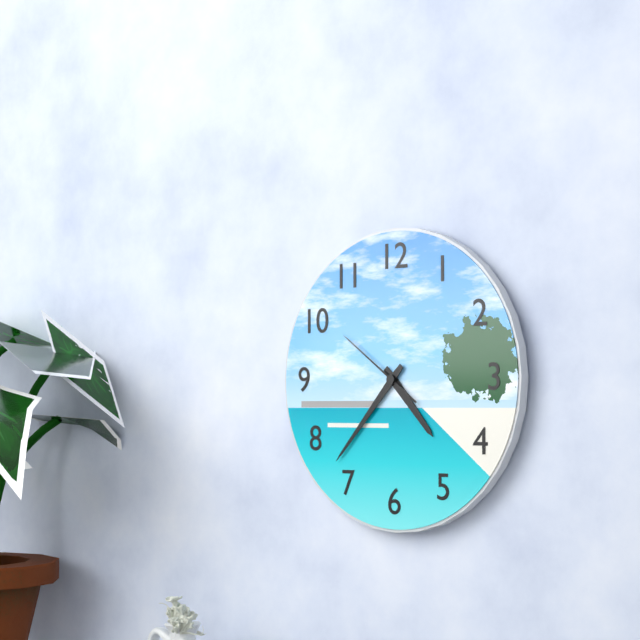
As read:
4.37.51
